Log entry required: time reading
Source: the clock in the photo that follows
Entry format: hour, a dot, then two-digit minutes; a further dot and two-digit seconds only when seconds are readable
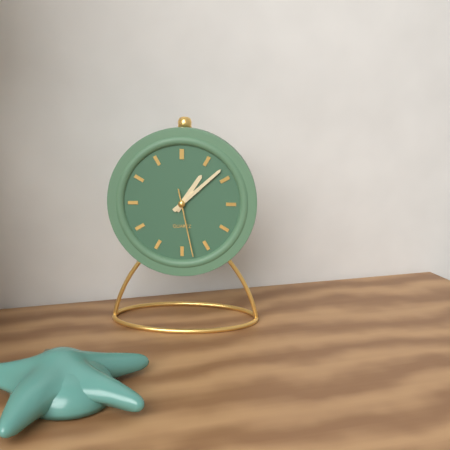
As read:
1.08.28
